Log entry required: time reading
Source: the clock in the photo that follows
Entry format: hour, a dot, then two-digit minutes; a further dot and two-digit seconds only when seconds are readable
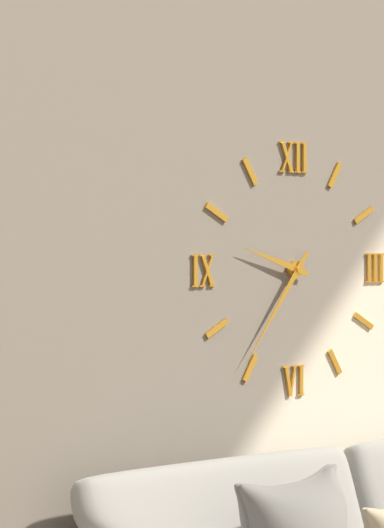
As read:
9.36
